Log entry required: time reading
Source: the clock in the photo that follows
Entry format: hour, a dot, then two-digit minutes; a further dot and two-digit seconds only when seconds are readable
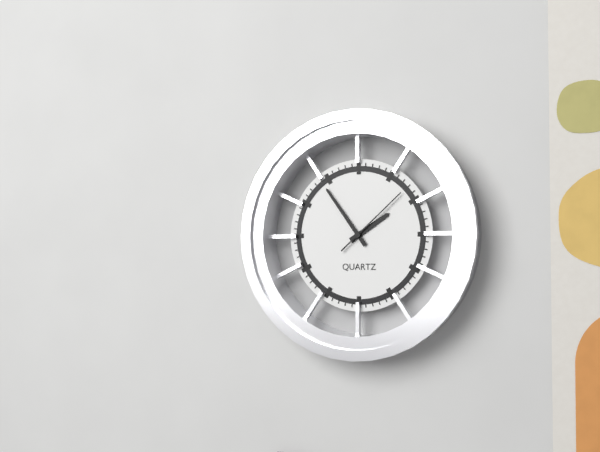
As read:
1.54.08
